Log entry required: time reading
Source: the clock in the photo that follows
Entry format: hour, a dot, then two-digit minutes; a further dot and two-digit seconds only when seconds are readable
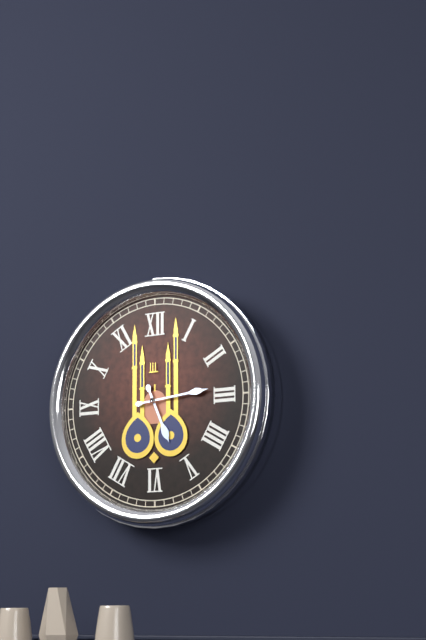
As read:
5.14
